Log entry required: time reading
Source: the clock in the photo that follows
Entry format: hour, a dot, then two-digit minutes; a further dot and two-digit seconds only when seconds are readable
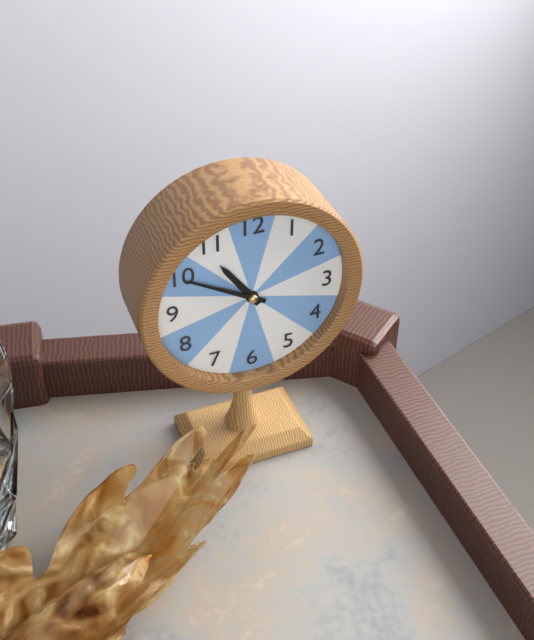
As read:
10.50
